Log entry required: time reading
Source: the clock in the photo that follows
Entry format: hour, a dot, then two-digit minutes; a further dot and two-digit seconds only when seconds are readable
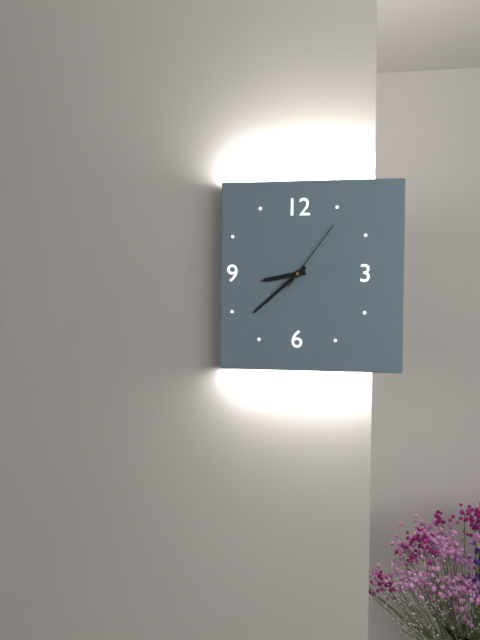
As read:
8.38.06
